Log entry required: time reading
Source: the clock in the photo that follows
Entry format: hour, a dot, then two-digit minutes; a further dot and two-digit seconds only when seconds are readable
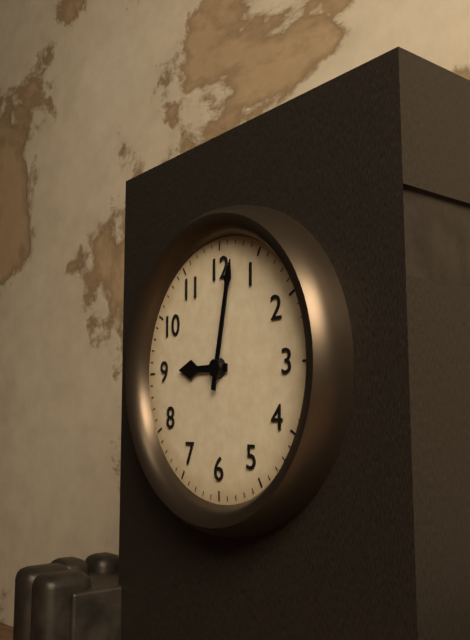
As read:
9.02
